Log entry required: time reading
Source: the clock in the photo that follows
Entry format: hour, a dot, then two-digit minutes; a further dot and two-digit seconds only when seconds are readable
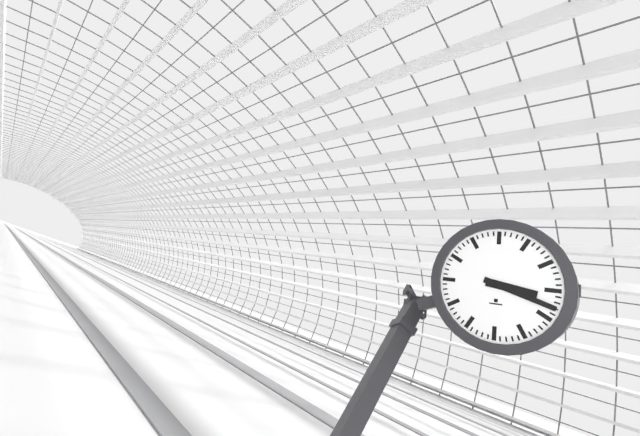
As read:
3.18
